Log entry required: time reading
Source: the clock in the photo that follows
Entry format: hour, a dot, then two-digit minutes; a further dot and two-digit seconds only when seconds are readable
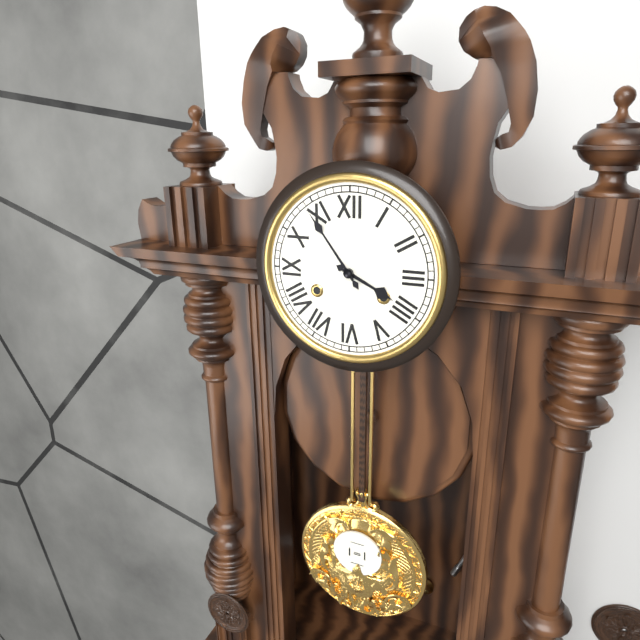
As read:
3.54
